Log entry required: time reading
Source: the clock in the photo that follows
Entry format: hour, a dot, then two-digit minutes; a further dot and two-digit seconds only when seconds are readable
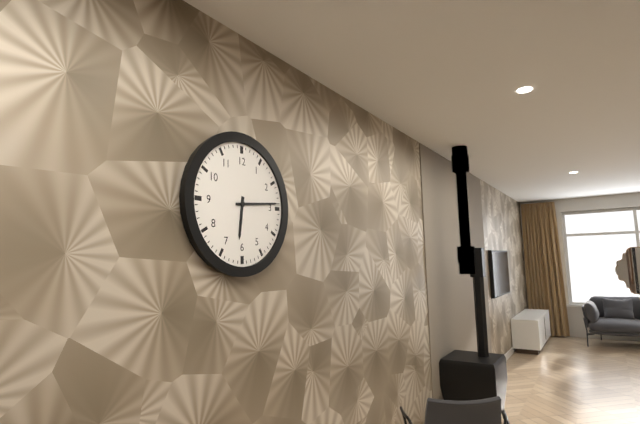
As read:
6.14
